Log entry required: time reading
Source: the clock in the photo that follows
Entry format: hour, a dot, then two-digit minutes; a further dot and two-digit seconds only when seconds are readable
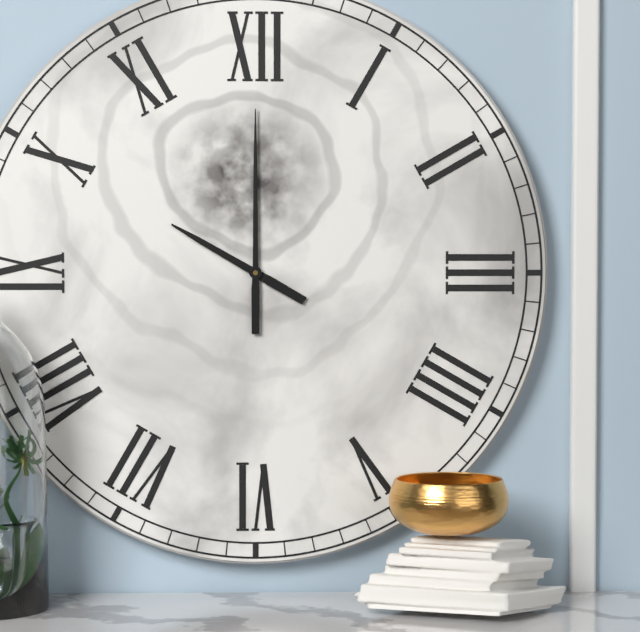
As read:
10.00
